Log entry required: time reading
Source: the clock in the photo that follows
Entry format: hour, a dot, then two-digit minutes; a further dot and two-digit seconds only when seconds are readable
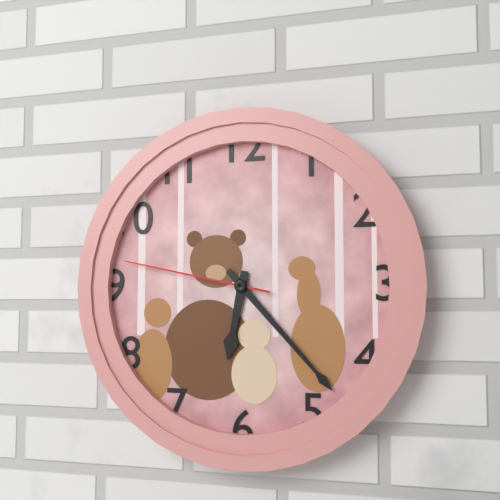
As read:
6.23.47
